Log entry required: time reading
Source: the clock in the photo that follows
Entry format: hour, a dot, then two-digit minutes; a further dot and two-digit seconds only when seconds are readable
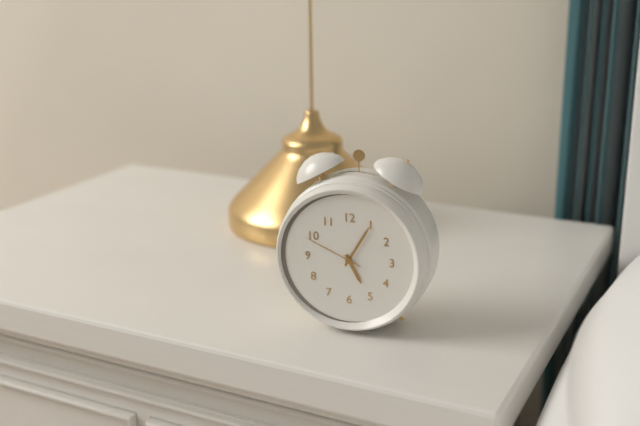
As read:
5.05.49
